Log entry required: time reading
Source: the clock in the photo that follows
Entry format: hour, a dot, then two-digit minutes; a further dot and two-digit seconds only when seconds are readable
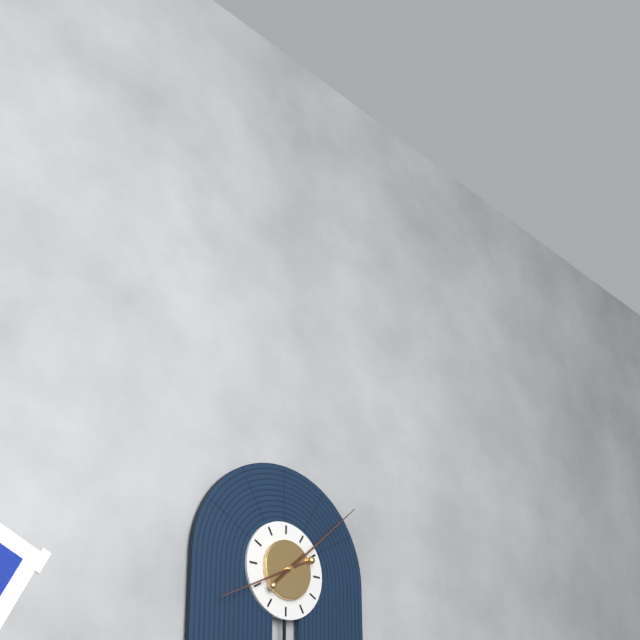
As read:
8.08
